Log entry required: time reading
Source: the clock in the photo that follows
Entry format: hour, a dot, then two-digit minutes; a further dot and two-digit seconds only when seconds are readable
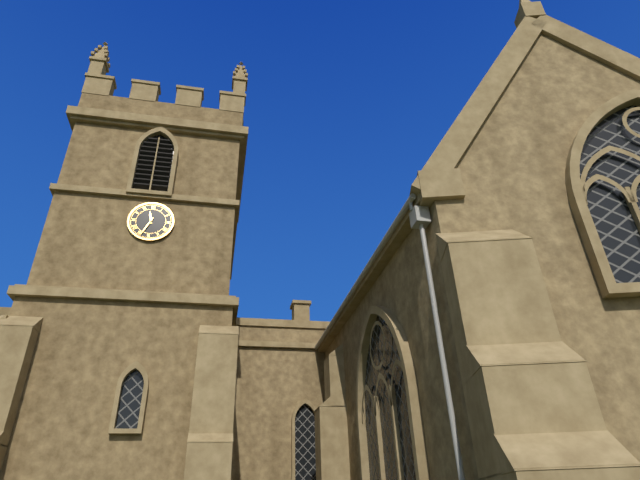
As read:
11.34
